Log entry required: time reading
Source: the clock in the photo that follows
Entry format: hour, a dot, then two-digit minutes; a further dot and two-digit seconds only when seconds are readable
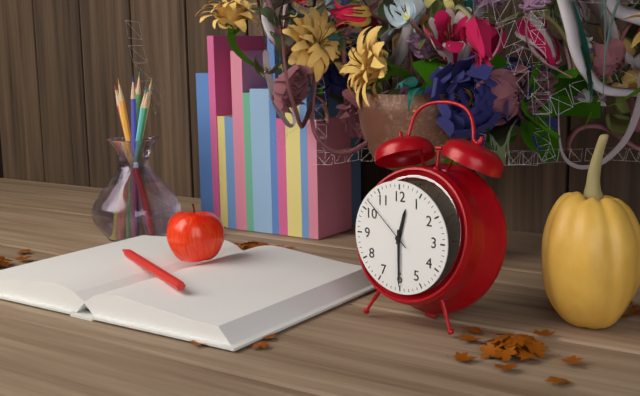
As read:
12.30.52
